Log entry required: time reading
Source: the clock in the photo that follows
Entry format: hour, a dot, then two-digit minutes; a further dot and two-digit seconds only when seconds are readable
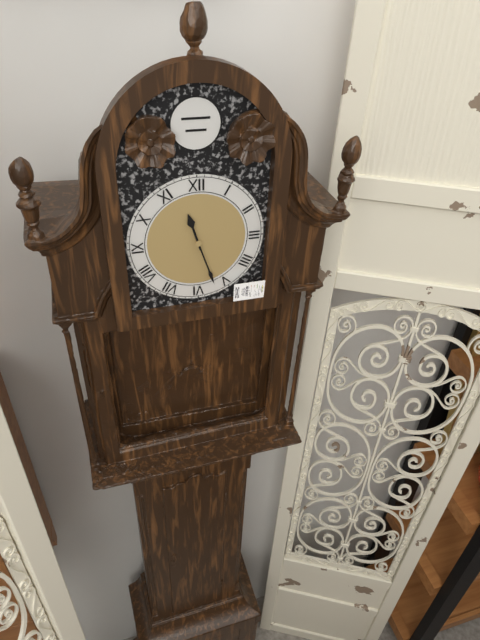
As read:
11.27
